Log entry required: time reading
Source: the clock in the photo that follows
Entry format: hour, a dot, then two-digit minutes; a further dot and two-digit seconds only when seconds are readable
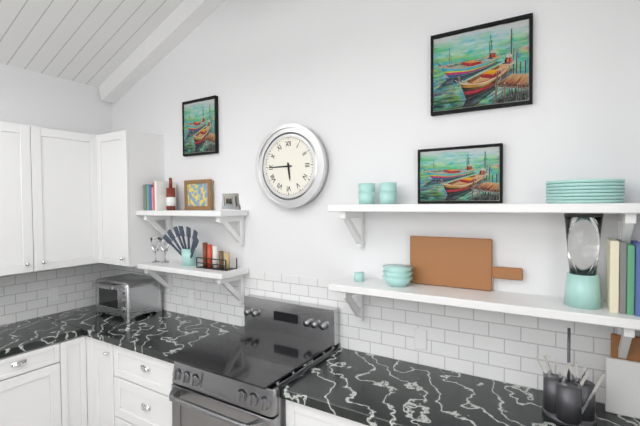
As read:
5.45
